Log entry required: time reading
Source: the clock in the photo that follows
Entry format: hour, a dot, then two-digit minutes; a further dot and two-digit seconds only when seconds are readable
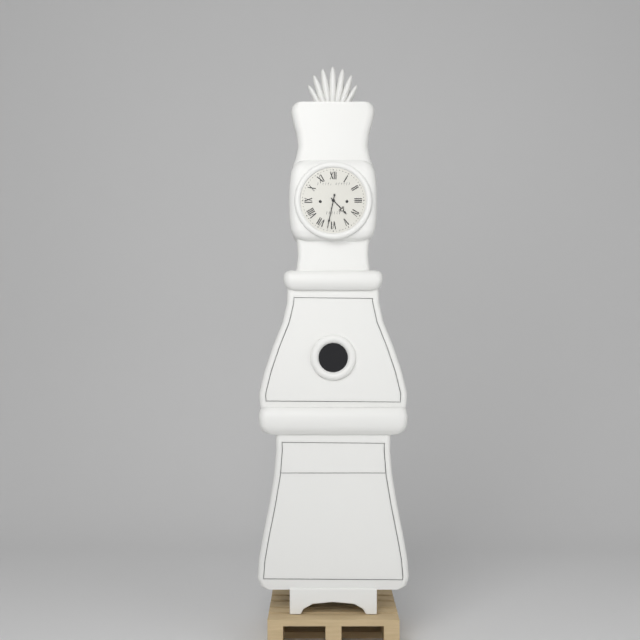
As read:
4.32
